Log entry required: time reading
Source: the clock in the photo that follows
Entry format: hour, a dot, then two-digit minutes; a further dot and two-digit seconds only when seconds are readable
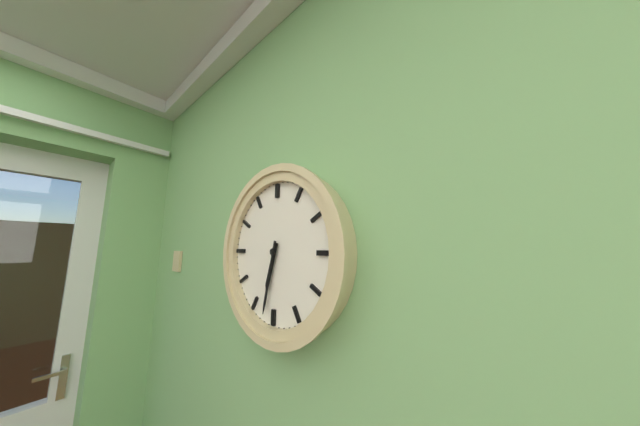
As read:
6.32
